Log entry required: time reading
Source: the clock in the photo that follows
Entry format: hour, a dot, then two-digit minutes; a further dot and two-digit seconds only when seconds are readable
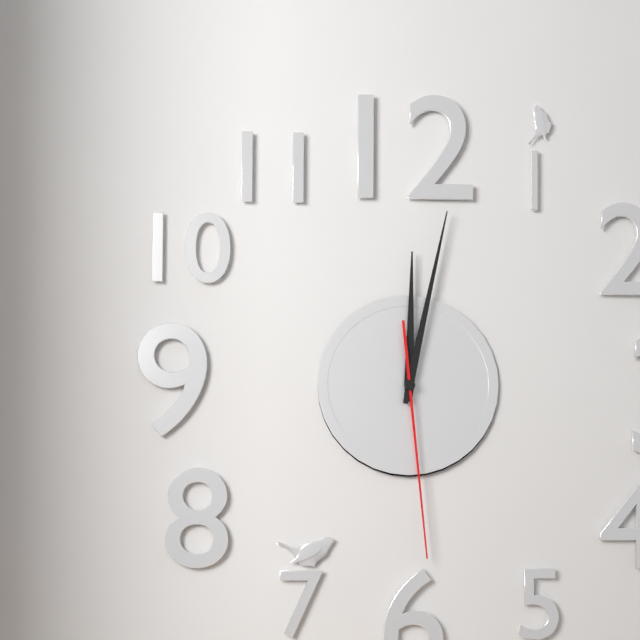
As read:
12.02.29
